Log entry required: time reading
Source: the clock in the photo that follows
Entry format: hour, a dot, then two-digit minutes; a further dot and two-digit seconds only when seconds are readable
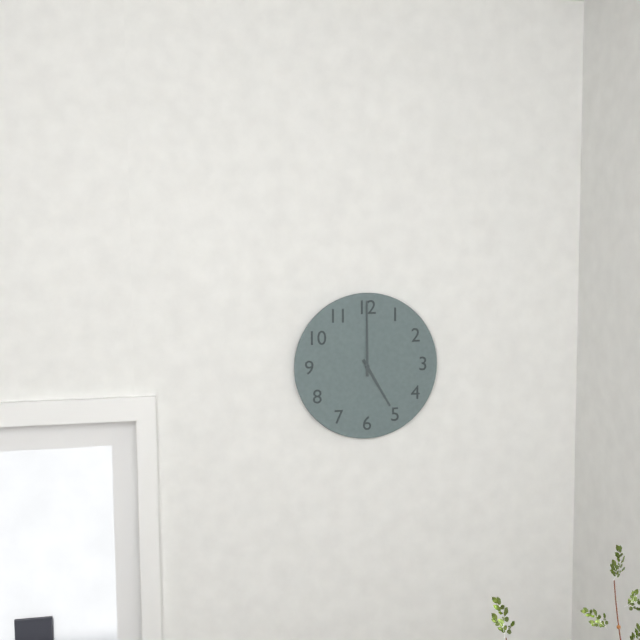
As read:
5.00
